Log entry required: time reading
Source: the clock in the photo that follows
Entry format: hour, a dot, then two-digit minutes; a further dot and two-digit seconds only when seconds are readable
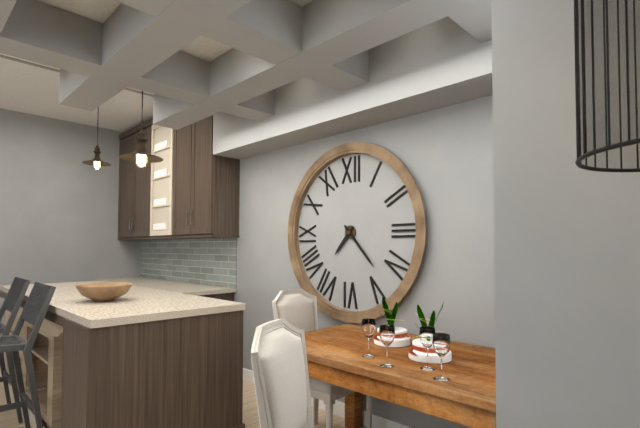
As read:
7.23
